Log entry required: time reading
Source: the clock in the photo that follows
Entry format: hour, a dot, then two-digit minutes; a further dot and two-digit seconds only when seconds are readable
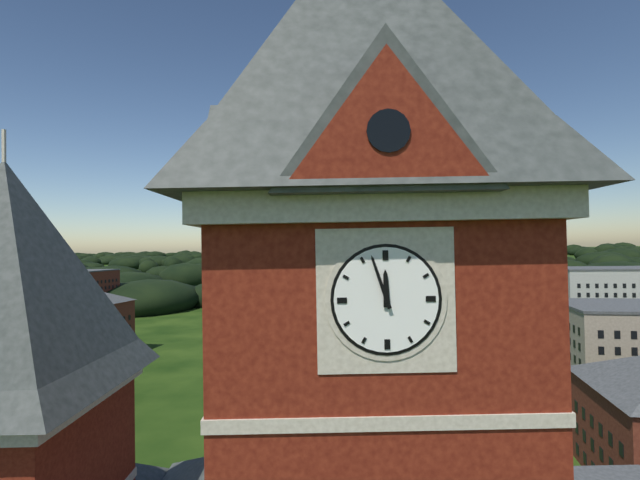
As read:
11.57
